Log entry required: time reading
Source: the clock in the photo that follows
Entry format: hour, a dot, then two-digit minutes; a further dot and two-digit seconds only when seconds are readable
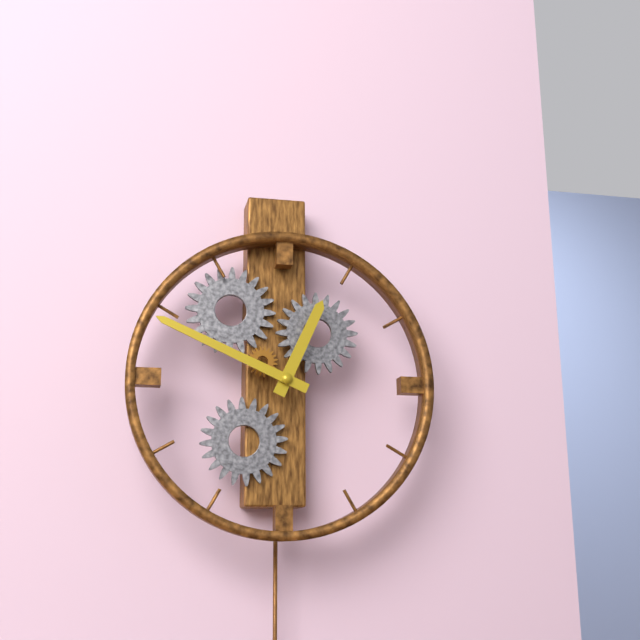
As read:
12.49
